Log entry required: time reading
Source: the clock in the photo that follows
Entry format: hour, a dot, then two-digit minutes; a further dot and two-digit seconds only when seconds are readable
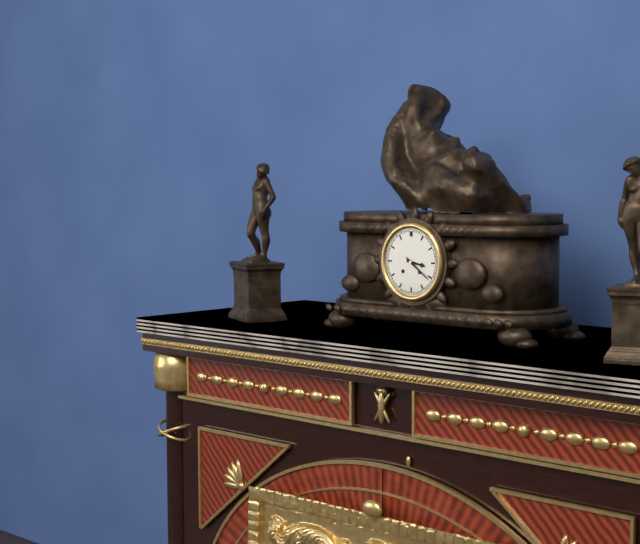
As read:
3.21
